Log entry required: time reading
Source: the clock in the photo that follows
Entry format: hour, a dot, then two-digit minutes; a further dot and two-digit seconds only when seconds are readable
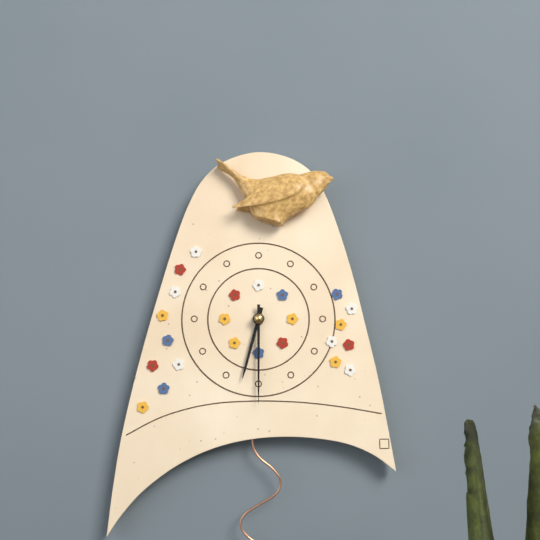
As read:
6.30
